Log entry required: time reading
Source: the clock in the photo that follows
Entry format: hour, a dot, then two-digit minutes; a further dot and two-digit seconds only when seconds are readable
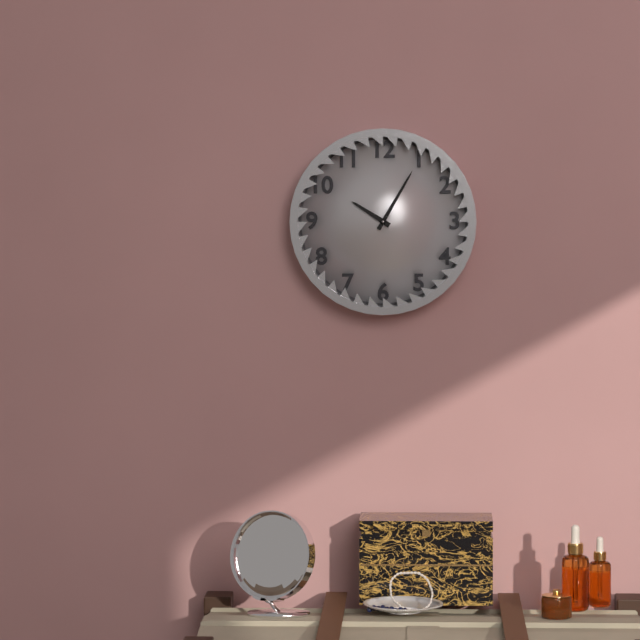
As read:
10.05
